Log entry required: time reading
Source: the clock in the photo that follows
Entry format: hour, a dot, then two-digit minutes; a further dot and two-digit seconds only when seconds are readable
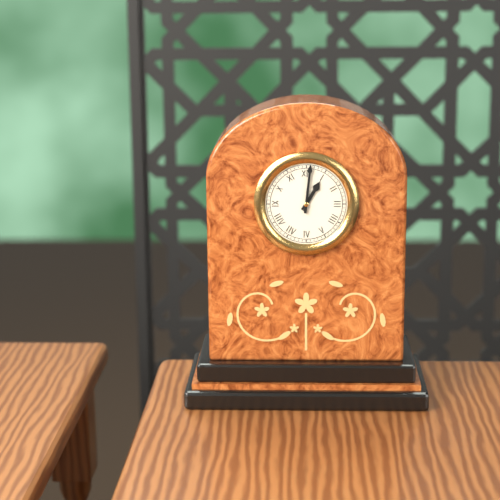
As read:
1.01
